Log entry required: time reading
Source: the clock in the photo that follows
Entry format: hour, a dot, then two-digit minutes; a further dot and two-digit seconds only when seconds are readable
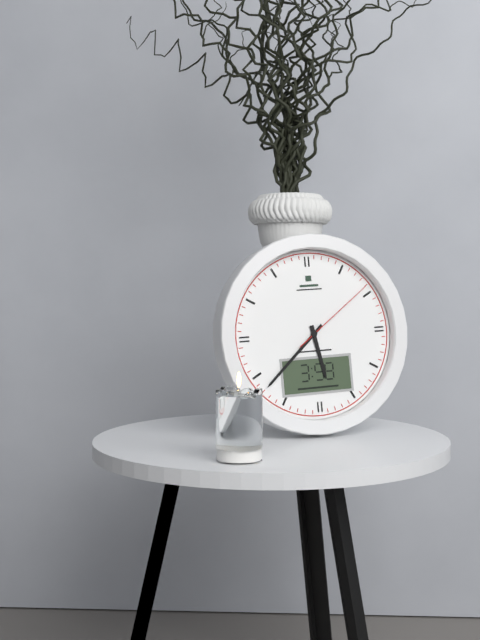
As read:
5.38.09
